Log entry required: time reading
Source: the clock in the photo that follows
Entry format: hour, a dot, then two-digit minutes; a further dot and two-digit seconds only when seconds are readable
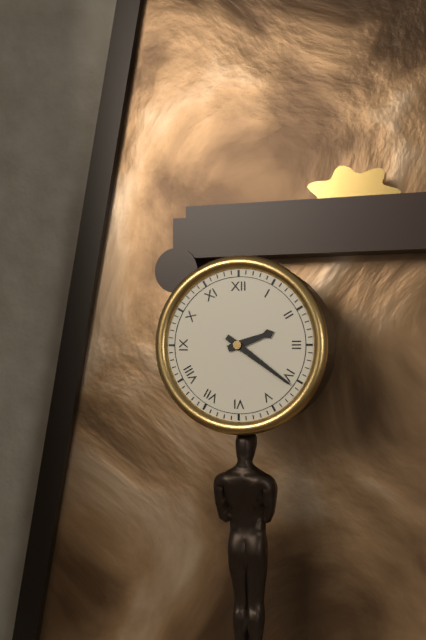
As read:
2.21
